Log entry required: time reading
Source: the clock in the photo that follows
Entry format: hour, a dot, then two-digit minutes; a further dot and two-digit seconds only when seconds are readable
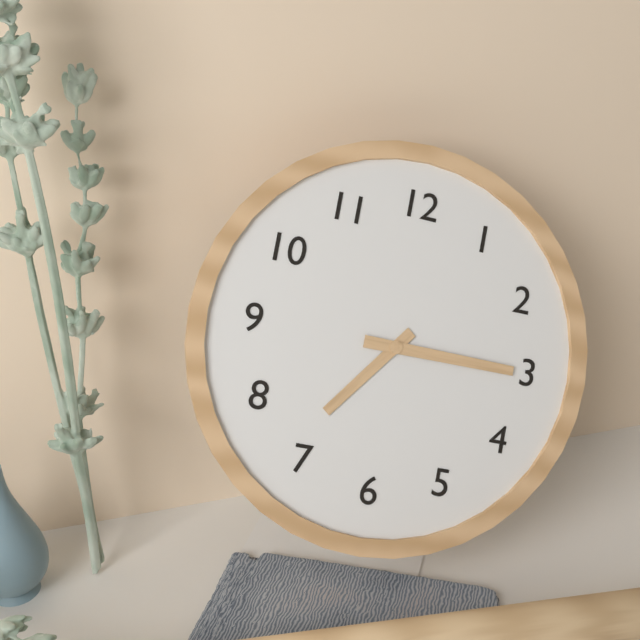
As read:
7.15
